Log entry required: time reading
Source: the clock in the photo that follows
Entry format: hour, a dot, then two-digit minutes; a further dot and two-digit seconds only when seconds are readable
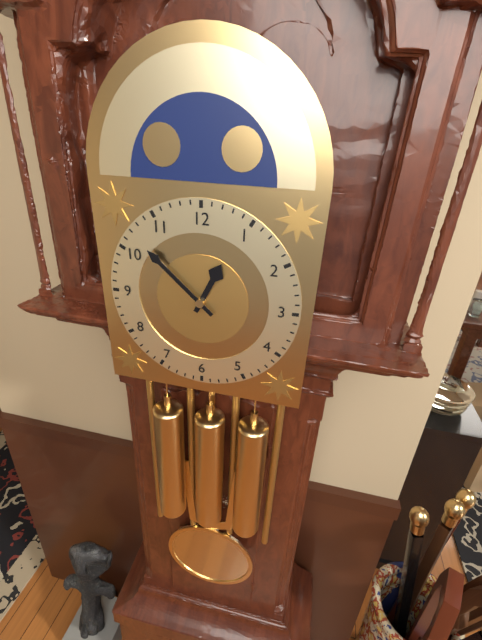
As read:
12.52
